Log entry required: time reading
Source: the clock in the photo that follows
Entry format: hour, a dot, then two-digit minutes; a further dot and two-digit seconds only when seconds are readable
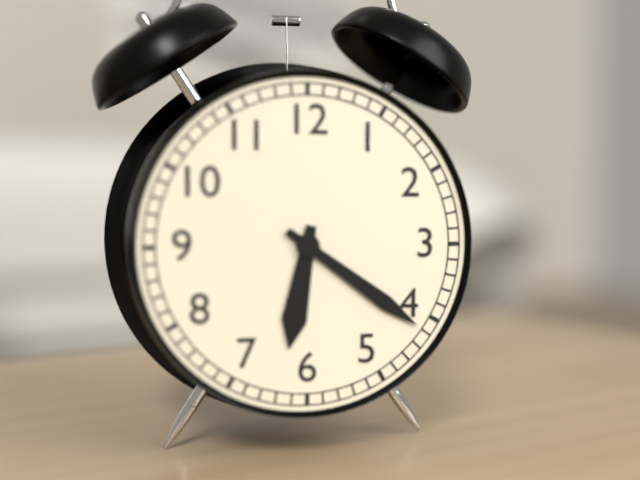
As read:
6.21
